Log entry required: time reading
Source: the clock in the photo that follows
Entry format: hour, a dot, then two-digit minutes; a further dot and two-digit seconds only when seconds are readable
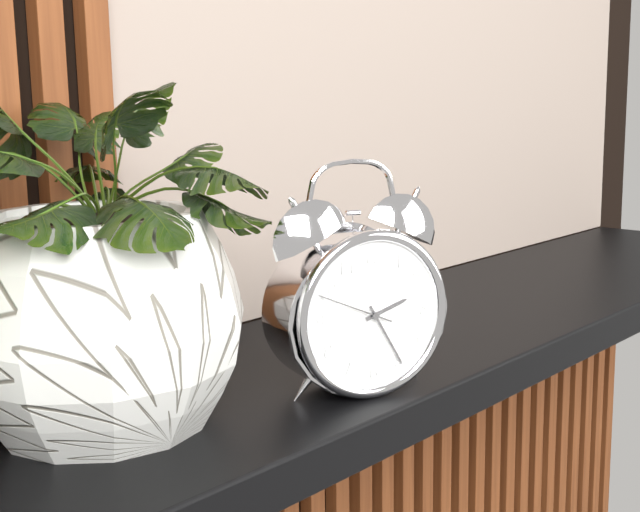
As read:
2.25.49
